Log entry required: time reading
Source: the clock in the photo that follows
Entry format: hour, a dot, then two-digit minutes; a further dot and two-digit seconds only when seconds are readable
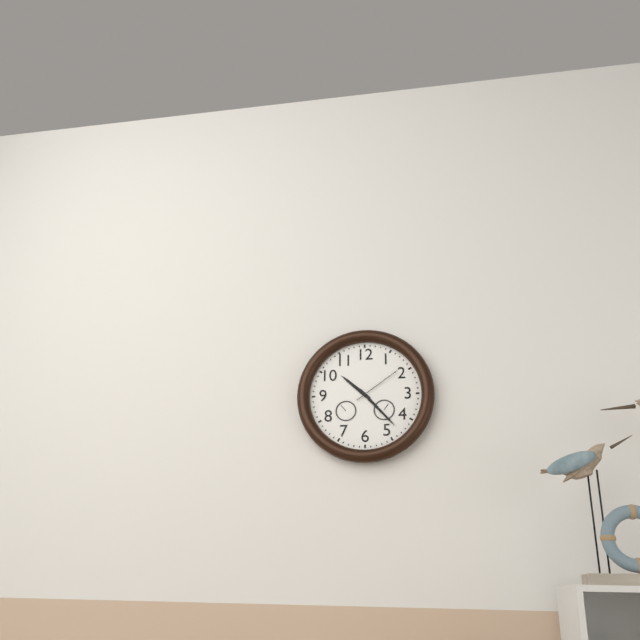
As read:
10.23.09
